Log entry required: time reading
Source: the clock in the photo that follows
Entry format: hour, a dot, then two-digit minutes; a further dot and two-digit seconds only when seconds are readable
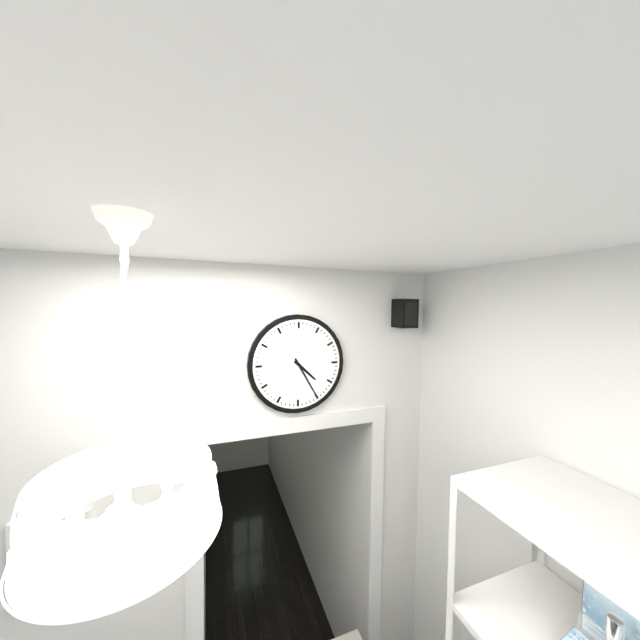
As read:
4.25
